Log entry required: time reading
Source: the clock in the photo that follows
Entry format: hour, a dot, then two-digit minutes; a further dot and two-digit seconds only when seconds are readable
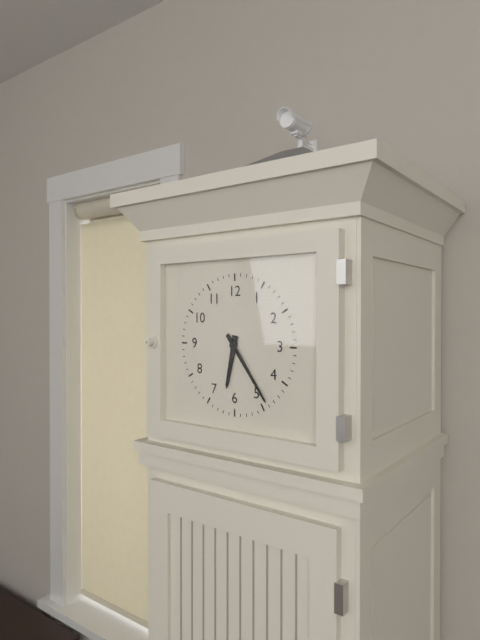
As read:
6.24
